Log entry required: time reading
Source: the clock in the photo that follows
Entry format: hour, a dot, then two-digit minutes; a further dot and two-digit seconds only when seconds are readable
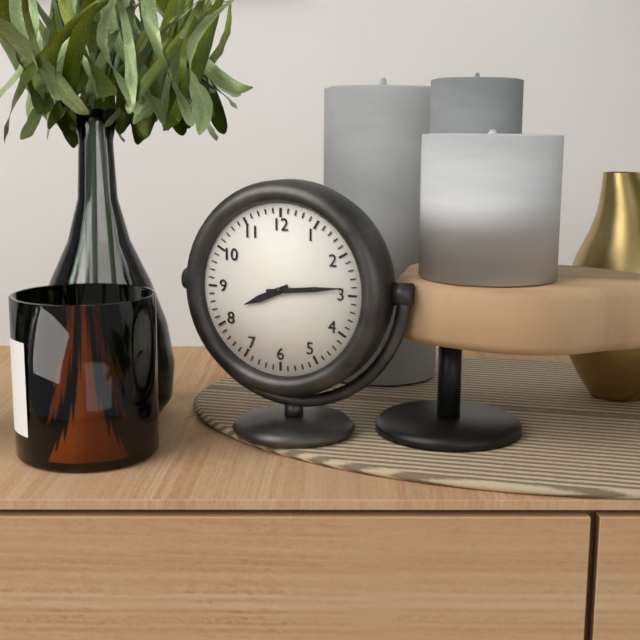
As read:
8.14
